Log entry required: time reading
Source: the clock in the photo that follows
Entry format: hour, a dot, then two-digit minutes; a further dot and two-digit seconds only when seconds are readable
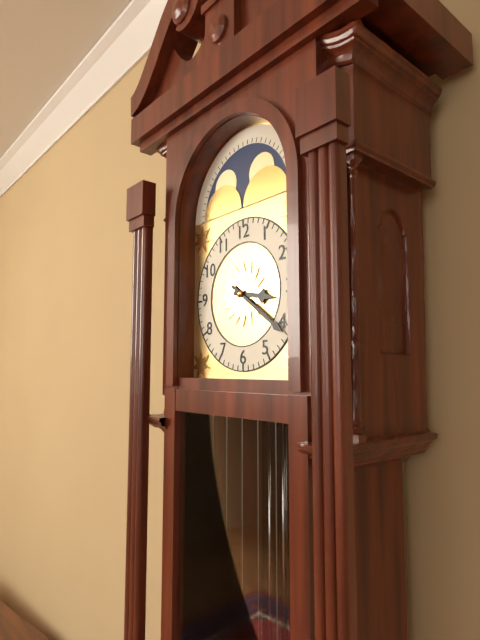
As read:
3.21
